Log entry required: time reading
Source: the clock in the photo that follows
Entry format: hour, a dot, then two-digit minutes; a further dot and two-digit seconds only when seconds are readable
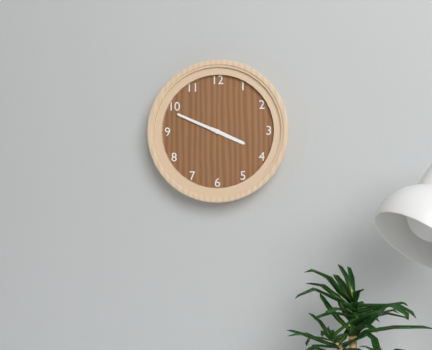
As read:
3.49
